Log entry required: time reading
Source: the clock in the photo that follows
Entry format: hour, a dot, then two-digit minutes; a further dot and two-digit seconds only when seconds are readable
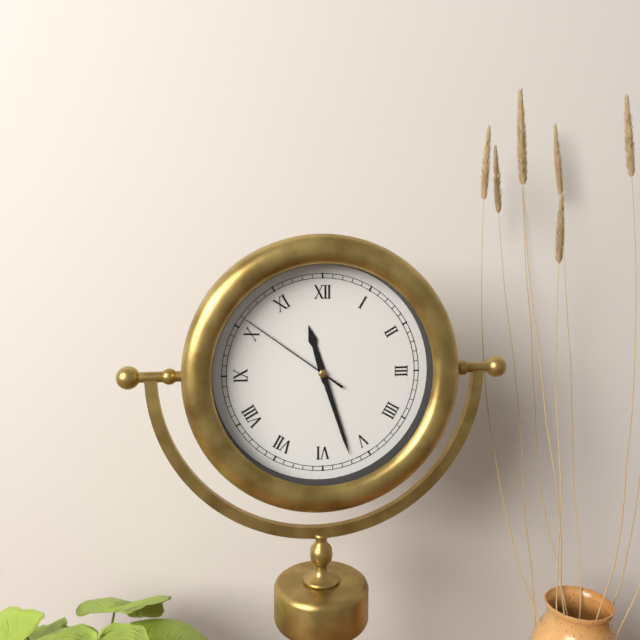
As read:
11.27.51
